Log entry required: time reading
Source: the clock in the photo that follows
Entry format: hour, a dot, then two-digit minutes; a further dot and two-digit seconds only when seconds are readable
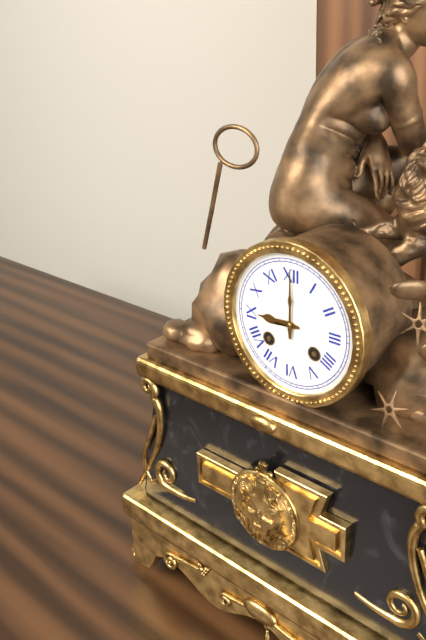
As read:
9.00
